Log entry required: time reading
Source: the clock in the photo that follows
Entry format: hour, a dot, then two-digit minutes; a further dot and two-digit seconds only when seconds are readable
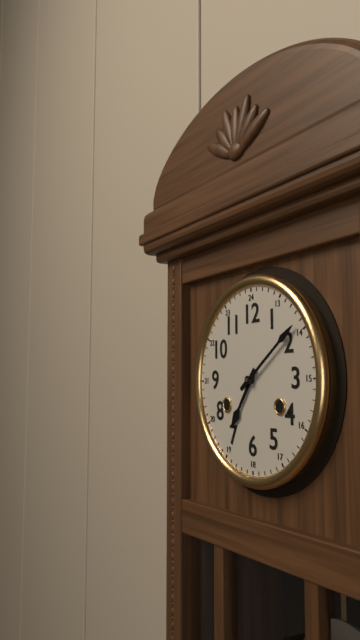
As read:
7.09
